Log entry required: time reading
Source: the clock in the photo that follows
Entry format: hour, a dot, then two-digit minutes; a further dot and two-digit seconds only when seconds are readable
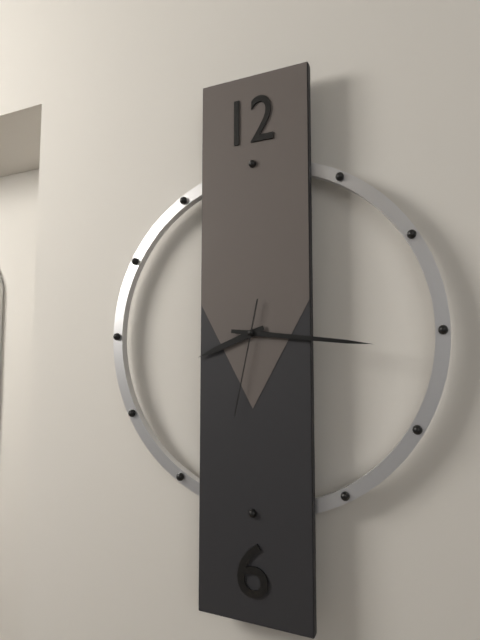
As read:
8.16.32
